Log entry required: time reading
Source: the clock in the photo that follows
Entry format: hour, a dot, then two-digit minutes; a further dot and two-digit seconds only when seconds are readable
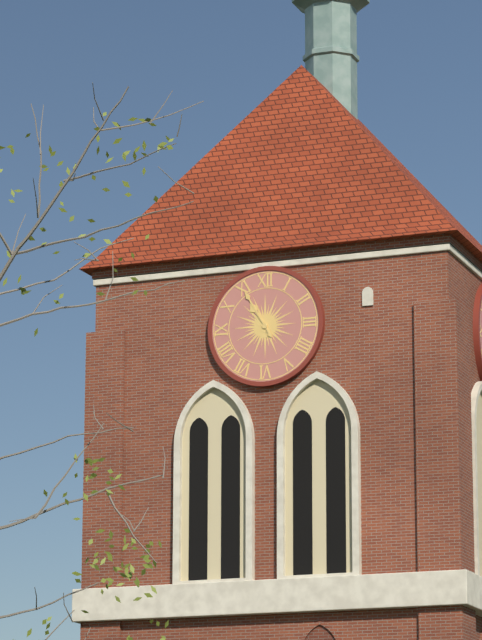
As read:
10.55
